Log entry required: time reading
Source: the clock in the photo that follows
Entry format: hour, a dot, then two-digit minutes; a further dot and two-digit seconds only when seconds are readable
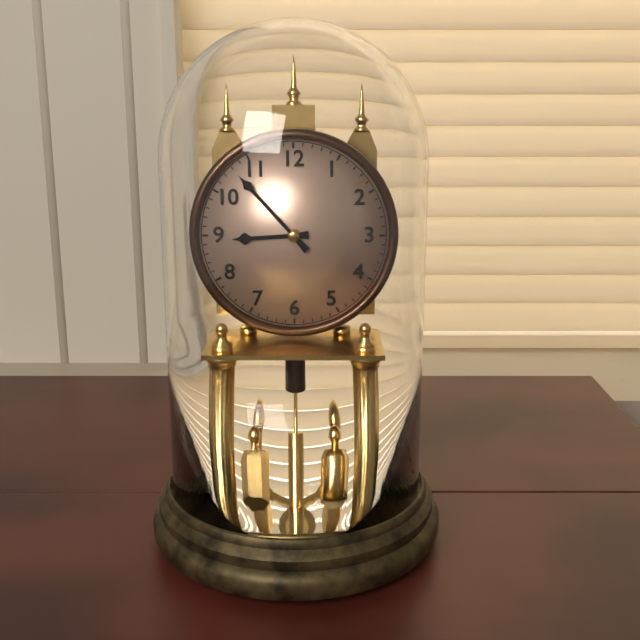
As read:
8.53
